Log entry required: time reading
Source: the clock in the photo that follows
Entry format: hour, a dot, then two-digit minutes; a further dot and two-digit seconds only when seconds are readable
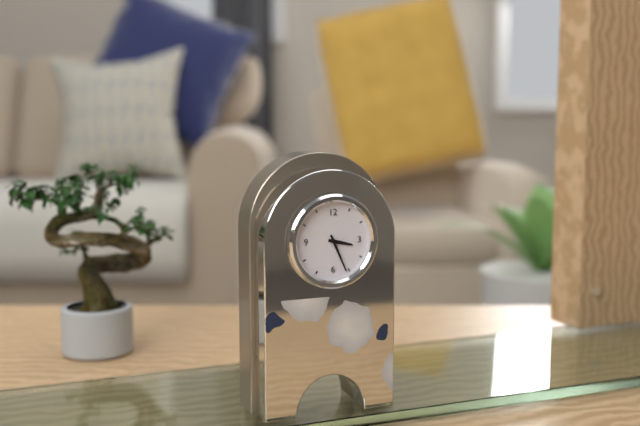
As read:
3.26
